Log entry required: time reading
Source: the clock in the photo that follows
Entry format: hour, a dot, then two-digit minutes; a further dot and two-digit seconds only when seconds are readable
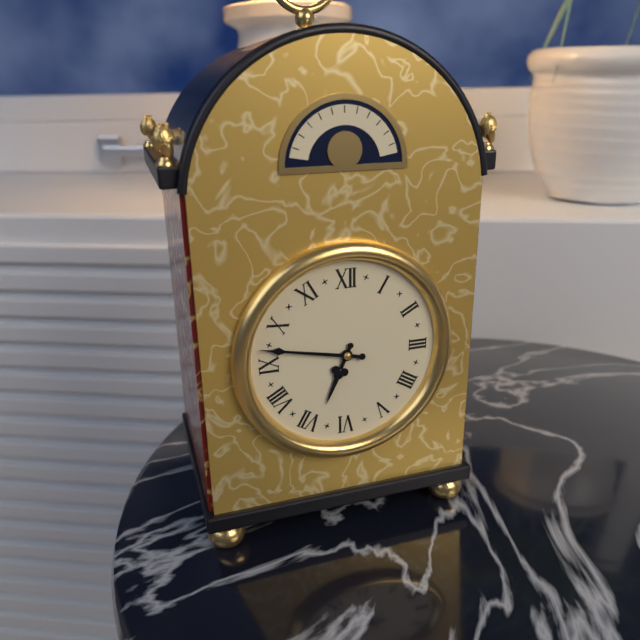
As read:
6.47
